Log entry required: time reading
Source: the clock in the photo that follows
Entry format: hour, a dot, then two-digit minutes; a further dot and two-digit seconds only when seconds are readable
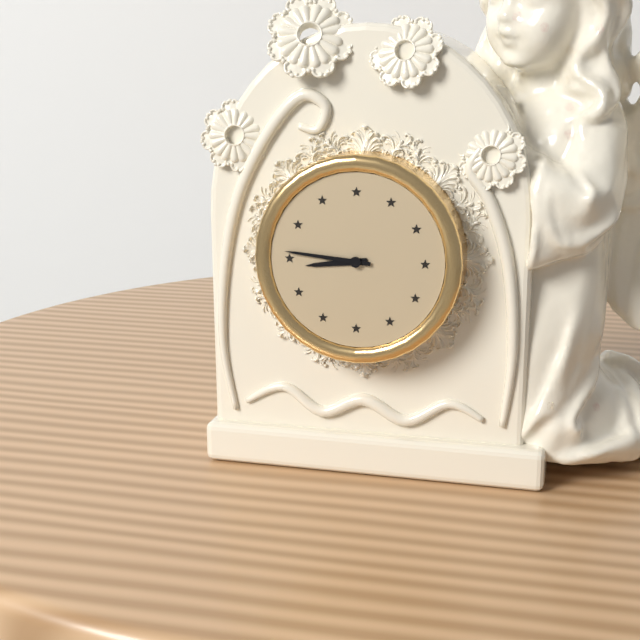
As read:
8.46
